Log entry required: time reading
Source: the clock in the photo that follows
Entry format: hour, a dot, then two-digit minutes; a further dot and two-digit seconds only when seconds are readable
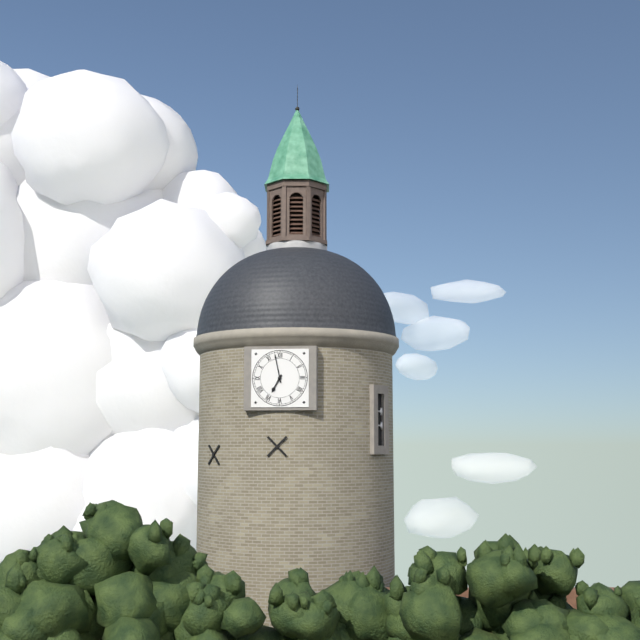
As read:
6.58
